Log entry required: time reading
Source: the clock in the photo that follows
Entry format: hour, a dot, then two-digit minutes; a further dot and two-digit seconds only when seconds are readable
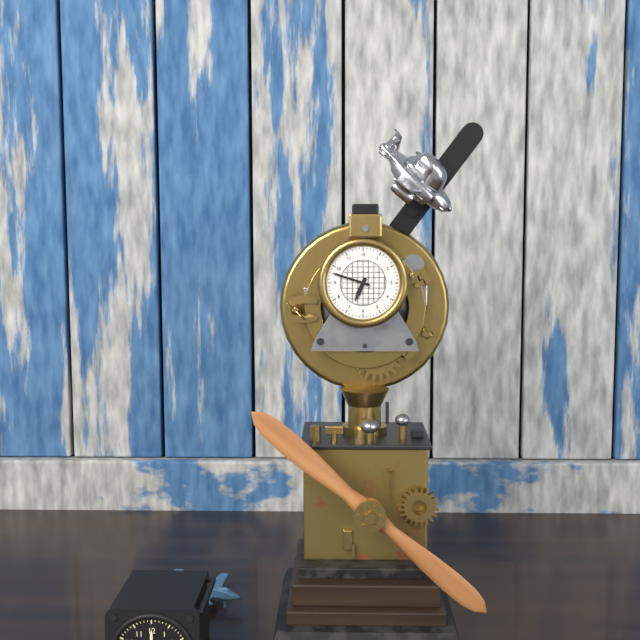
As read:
6.48
